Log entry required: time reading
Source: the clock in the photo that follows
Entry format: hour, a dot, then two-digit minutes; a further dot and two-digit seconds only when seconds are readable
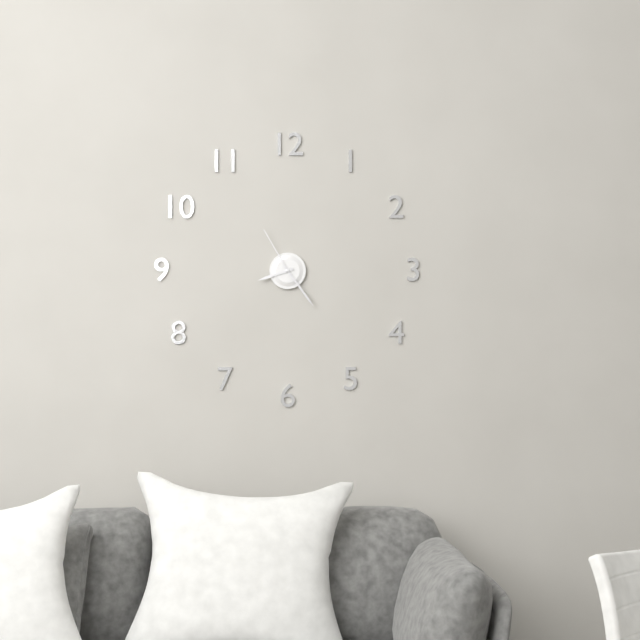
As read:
8.24.55
